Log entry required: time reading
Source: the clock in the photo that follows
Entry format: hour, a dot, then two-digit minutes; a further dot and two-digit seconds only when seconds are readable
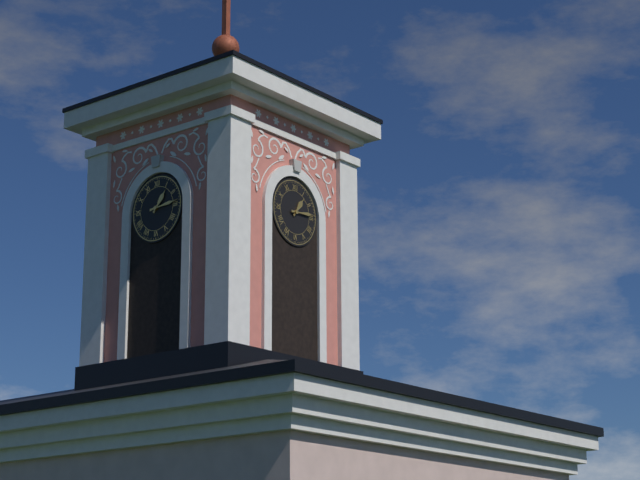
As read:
1.14
